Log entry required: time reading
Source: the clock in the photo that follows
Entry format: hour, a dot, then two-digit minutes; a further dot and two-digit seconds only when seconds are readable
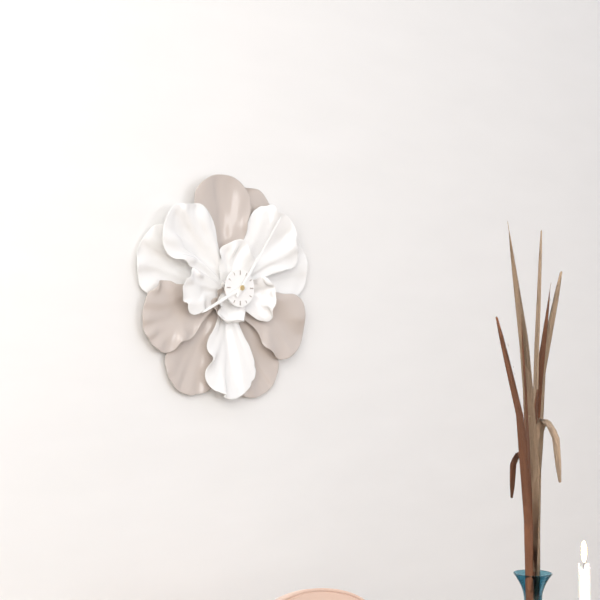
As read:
8.06
